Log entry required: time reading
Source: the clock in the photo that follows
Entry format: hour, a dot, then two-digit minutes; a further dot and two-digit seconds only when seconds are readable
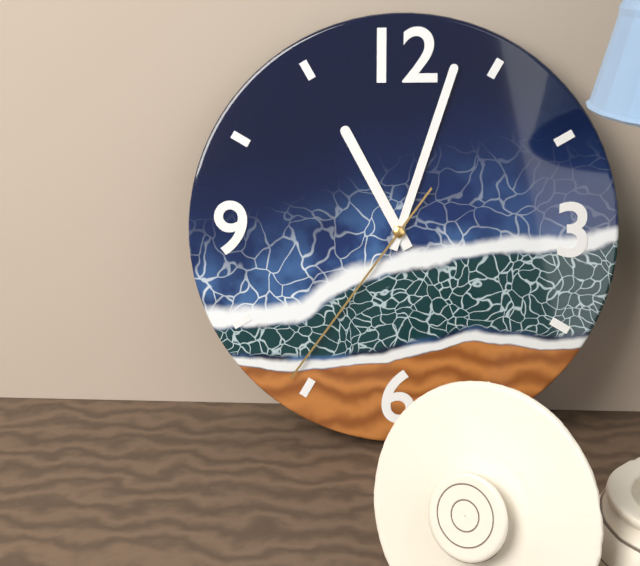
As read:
11.03.36
